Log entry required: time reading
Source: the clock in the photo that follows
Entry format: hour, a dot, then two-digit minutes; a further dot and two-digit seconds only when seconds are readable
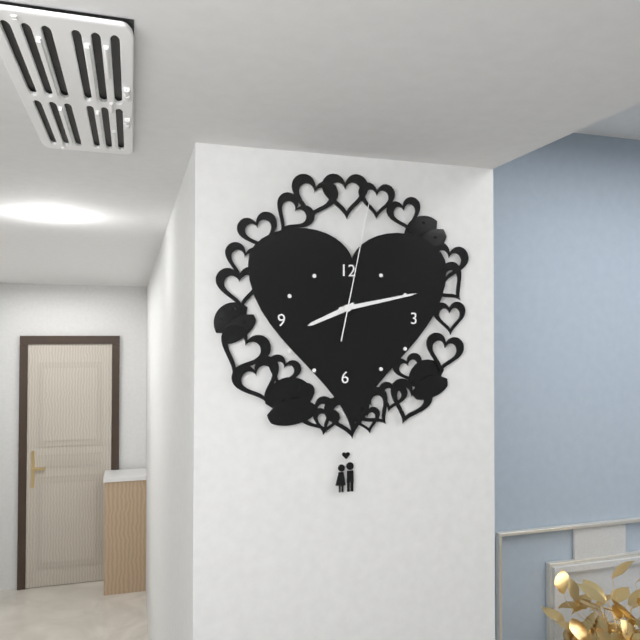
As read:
8.13.02
